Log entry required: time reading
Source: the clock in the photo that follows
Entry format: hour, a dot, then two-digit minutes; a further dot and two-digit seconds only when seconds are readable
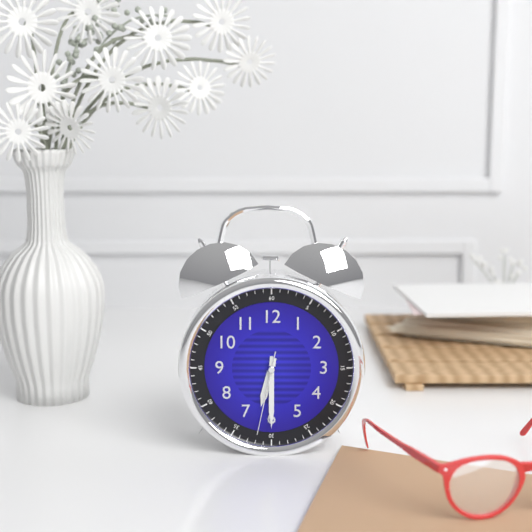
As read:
6.30.32
